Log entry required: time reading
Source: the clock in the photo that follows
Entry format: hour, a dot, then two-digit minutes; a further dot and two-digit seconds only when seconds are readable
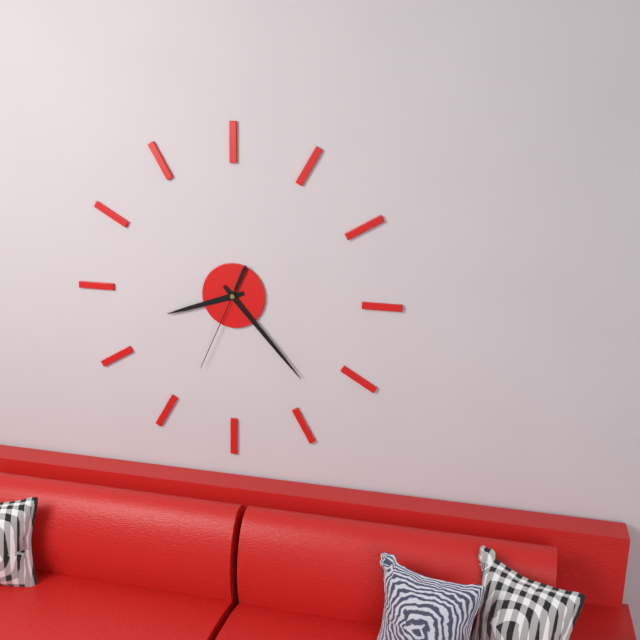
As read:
8.23.34
